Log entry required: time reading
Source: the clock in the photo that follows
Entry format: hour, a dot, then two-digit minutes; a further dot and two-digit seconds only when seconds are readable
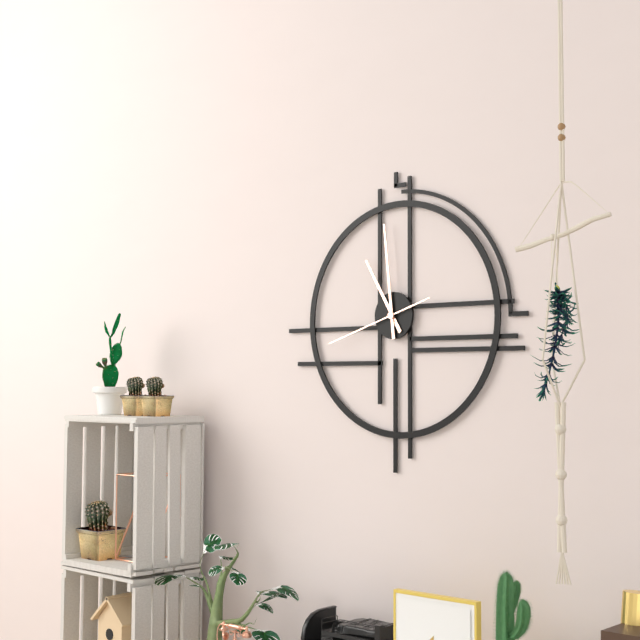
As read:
10.59.42
